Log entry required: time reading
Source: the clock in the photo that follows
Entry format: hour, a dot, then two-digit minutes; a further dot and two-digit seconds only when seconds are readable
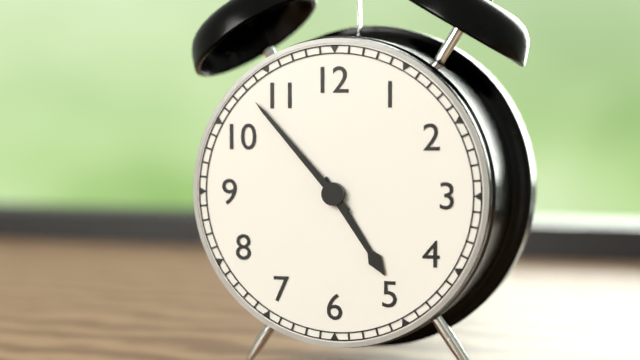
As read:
4.53
